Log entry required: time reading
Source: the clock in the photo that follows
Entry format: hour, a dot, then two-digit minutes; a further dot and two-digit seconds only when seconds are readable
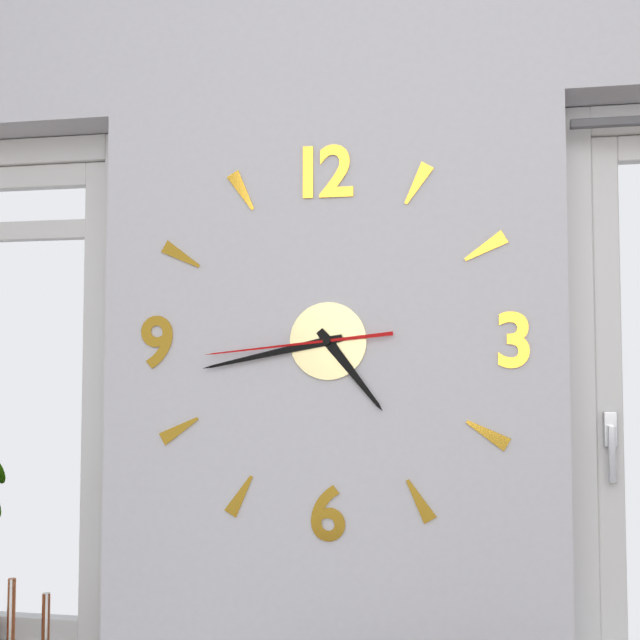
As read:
4.43.44
